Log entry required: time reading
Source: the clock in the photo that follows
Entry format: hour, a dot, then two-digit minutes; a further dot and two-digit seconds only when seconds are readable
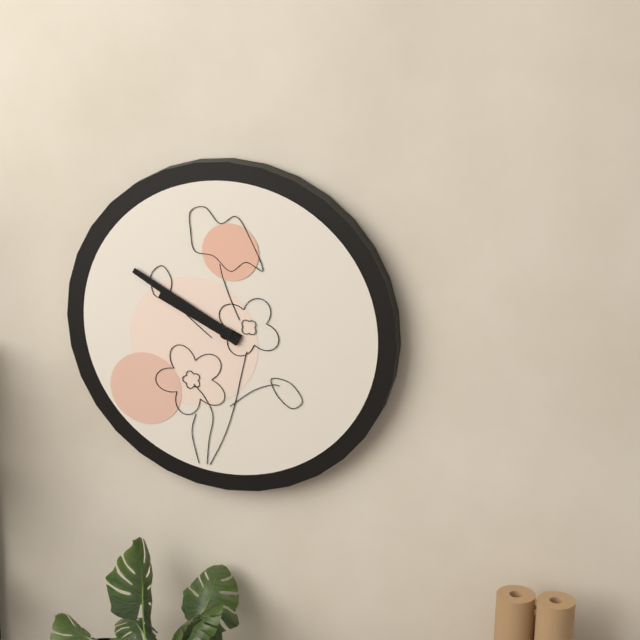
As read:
9.50
